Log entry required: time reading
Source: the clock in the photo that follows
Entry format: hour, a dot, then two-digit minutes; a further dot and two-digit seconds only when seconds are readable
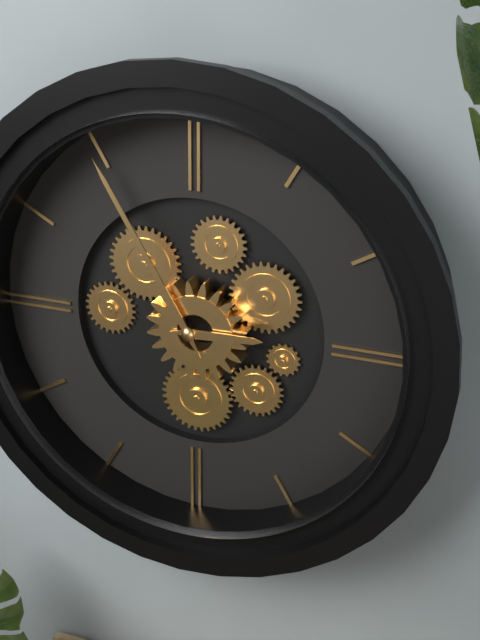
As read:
2.55
